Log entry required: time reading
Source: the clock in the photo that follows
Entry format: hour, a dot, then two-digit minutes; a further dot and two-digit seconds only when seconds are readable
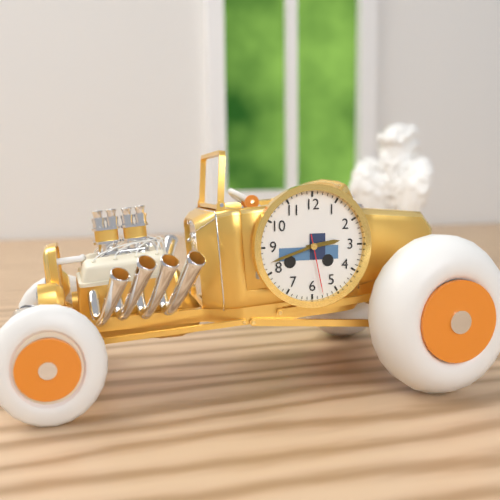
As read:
2.42.28
